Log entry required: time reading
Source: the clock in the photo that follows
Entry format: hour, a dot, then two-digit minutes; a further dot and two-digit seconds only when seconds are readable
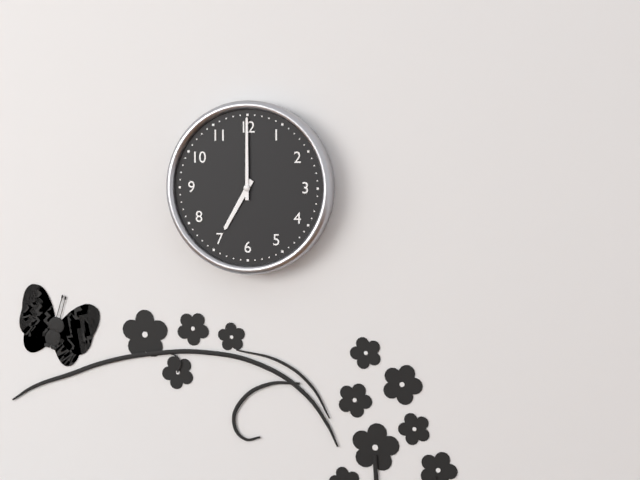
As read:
7.00
